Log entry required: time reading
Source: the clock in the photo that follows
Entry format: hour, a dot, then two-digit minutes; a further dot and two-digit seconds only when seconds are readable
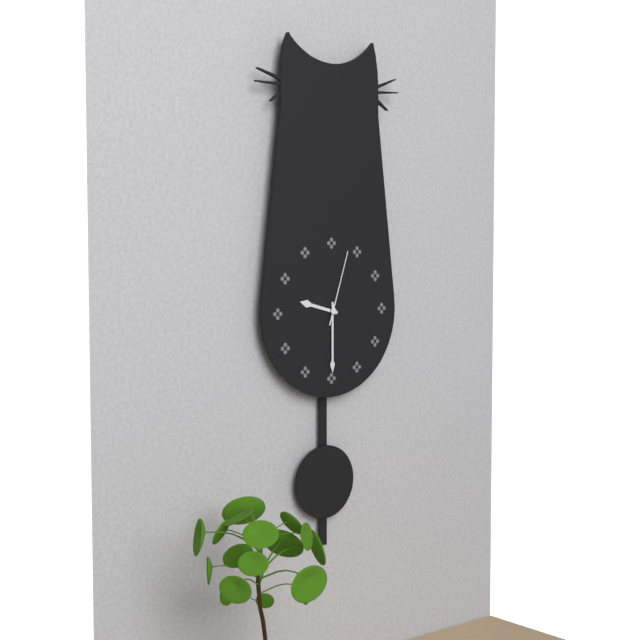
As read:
9.30.03
